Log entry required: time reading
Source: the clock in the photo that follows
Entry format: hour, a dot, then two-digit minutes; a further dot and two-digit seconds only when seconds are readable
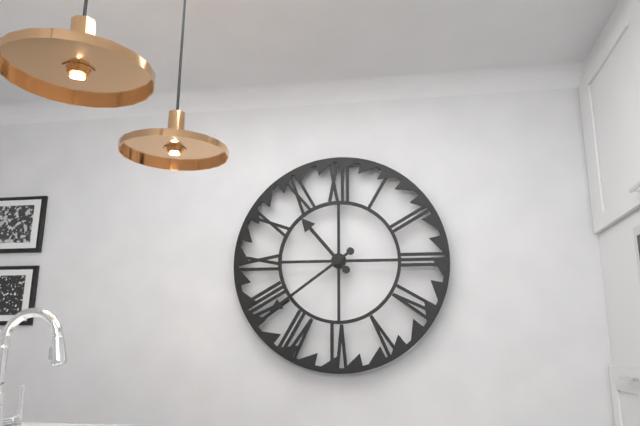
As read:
10.39
